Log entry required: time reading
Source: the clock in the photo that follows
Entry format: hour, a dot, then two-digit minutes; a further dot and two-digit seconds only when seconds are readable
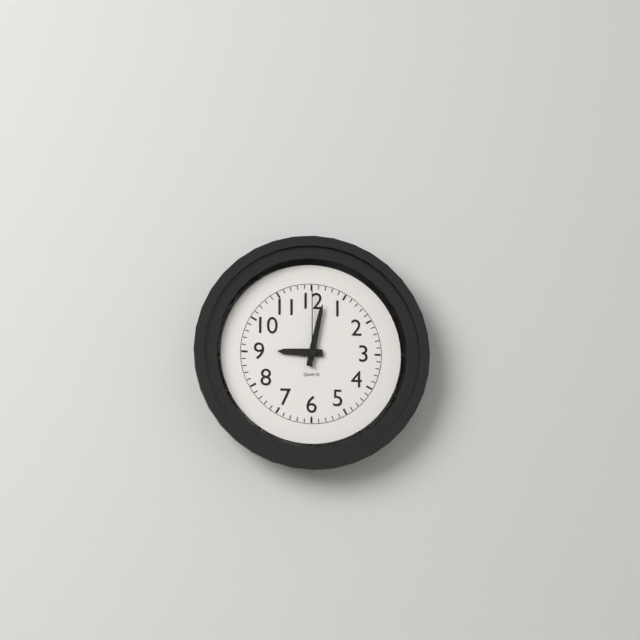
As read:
9.02.00
